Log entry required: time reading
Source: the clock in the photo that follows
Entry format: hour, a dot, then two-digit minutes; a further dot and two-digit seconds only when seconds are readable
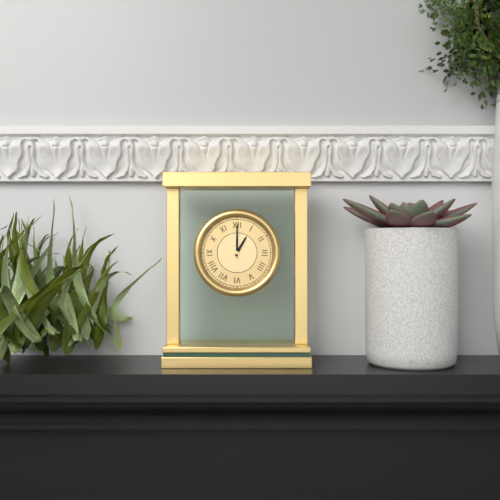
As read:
1.00
